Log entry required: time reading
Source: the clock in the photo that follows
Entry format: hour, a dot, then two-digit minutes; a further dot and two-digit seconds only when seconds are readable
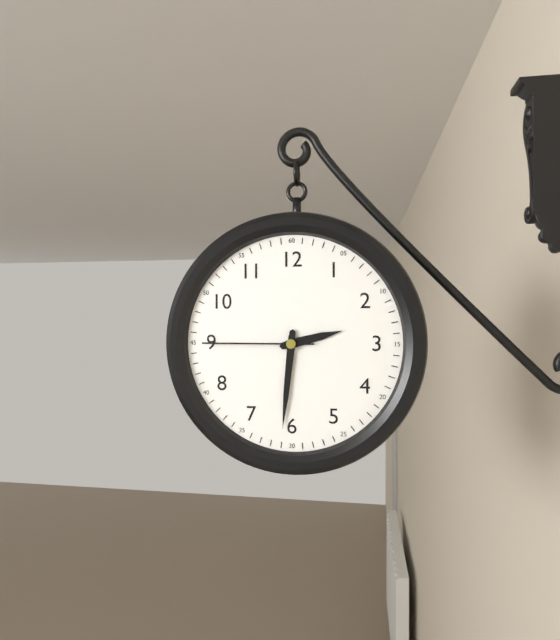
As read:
2.31.45
